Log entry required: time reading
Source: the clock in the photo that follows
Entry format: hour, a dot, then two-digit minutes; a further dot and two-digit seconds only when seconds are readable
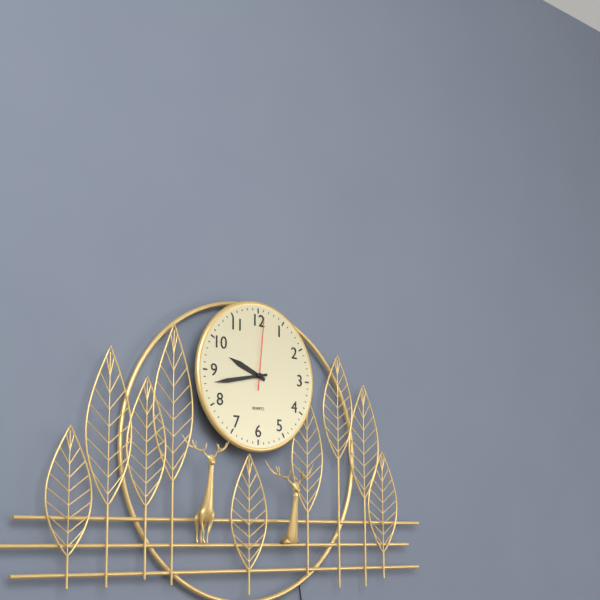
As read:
9.43.01
